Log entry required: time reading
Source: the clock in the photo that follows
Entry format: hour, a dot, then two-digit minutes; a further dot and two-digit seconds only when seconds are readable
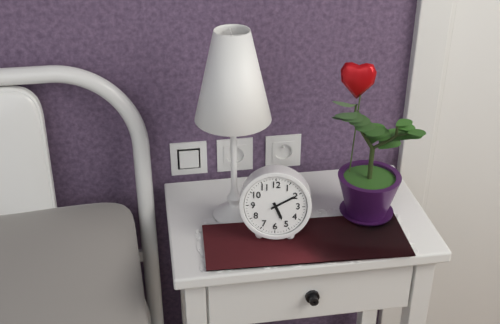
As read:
5.10
